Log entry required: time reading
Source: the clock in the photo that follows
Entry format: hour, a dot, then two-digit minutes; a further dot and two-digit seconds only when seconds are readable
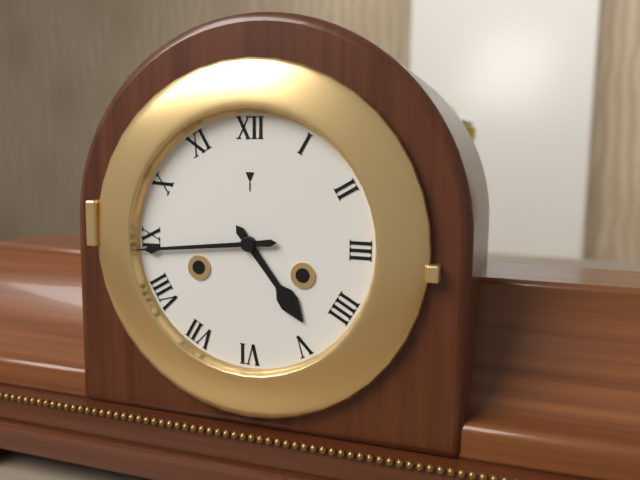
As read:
4.44
